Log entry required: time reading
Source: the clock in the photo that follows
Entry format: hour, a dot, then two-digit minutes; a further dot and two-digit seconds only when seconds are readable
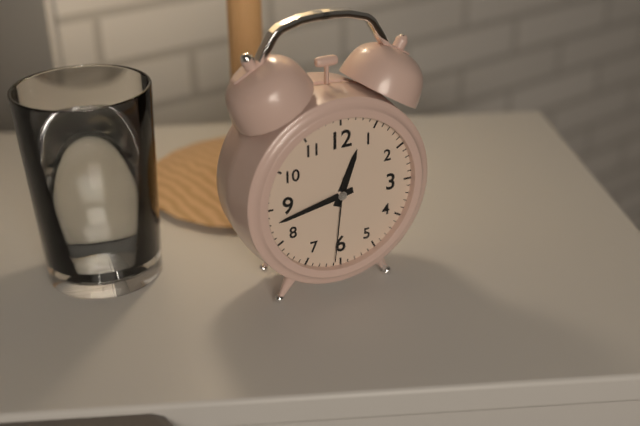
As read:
12.43.31
